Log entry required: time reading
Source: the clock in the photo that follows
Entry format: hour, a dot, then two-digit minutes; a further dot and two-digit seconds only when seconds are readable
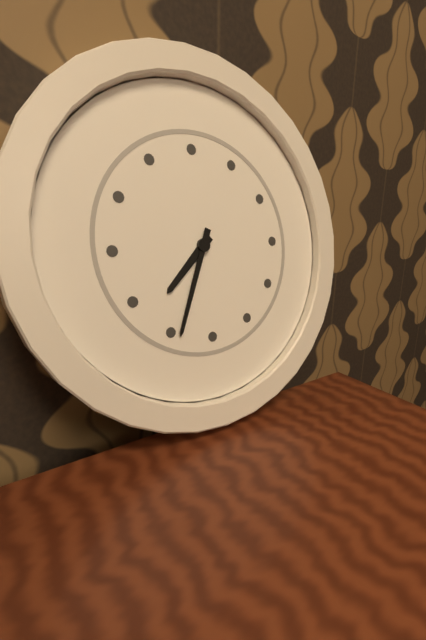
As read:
7.34
